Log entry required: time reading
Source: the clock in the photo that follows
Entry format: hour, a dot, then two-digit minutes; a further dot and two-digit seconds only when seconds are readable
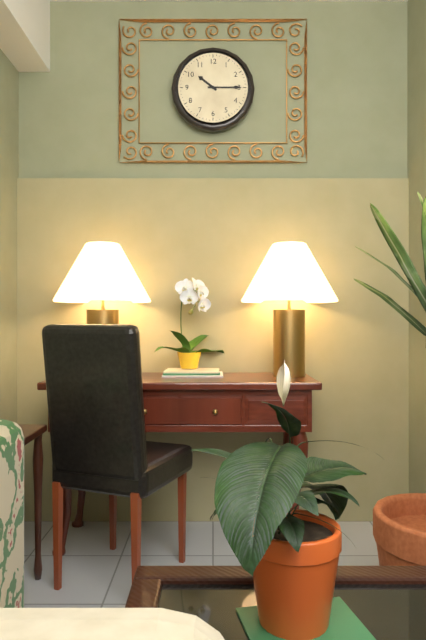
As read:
10.15
